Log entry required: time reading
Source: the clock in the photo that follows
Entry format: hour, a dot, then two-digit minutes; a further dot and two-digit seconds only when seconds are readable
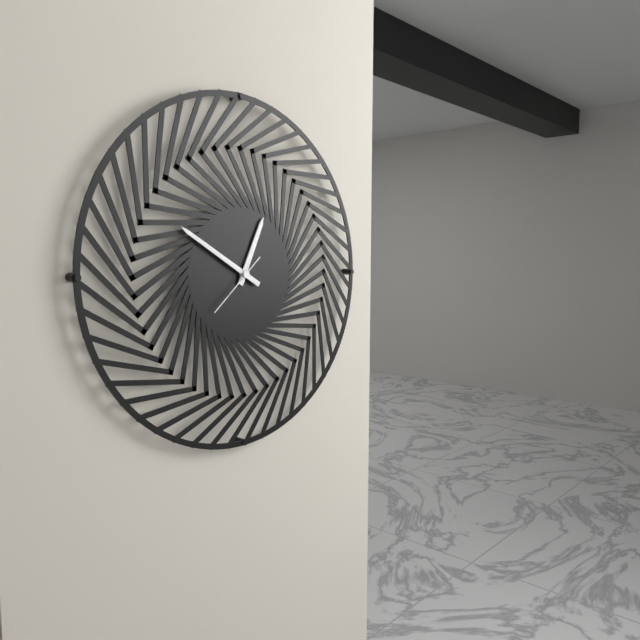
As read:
12.50.38
